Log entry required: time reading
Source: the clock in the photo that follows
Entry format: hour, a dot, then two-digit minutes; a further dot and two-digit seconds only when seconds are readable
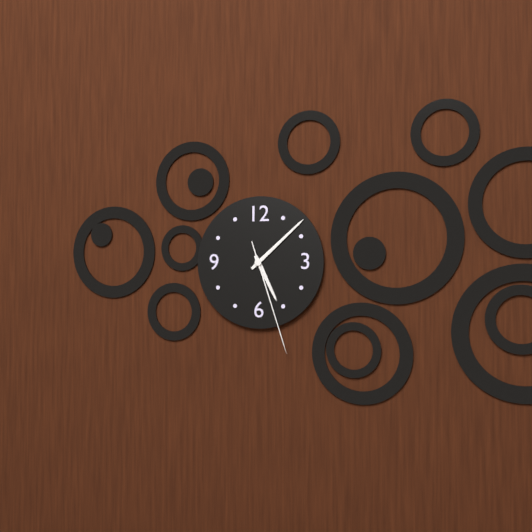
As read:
5.08.27
